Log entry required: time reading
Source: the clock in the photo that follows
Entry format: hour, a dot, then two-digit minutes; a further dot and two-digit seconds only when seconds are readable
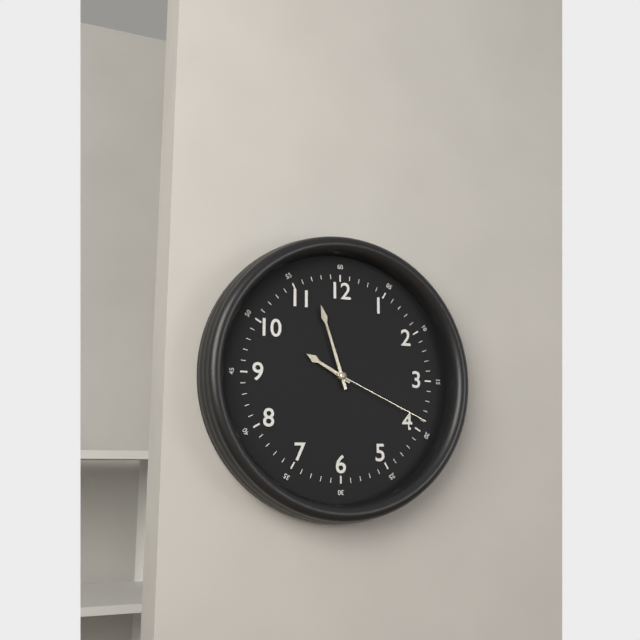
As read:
9.57.19
